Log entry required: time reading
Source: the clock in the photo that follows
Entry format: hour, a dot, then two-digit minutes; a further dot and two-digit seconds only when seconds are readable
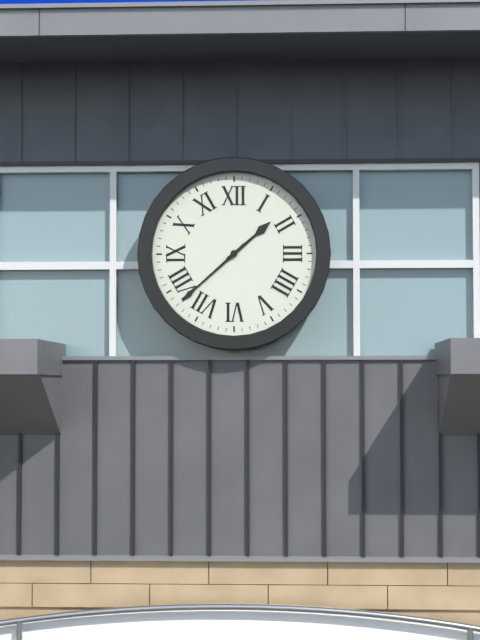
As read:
1.38
